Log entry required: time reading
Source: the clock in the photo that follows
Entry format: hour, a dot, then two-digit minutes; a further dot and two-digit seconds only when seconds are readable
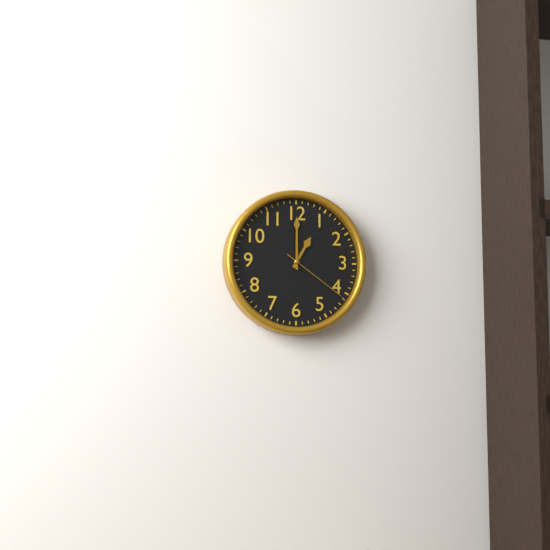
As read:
1.00.21
